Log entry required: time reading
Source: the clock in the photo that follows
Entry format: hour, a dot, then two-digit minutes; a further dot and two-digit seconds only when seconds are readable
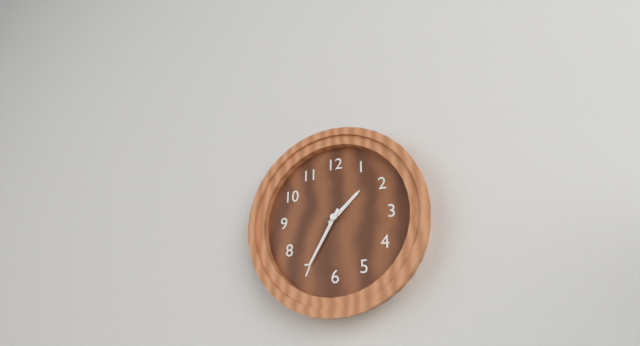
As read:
1.35
